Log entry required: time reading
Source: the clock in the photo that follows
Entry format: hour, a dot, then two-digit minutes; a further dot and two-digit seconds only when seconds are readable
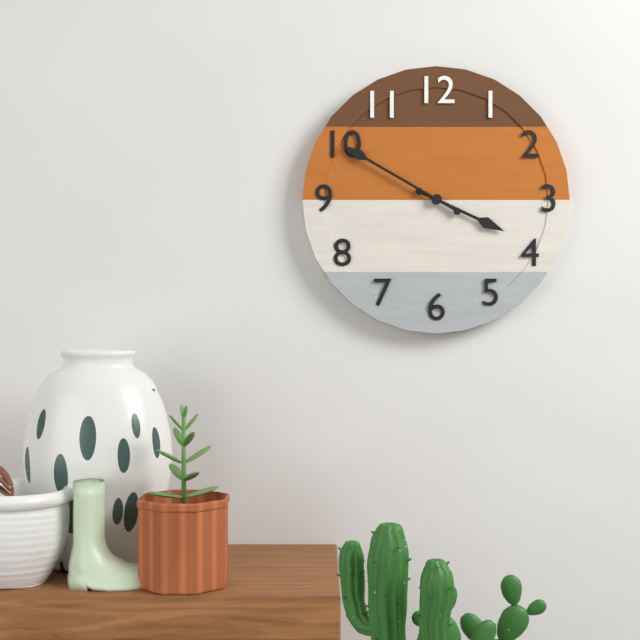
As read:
3.50
